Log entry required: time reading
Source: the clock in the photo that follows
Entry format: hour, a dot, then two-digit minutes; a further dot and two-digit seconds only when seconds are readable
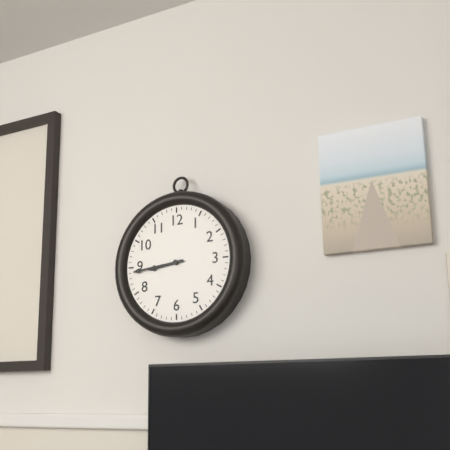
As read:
8.44
